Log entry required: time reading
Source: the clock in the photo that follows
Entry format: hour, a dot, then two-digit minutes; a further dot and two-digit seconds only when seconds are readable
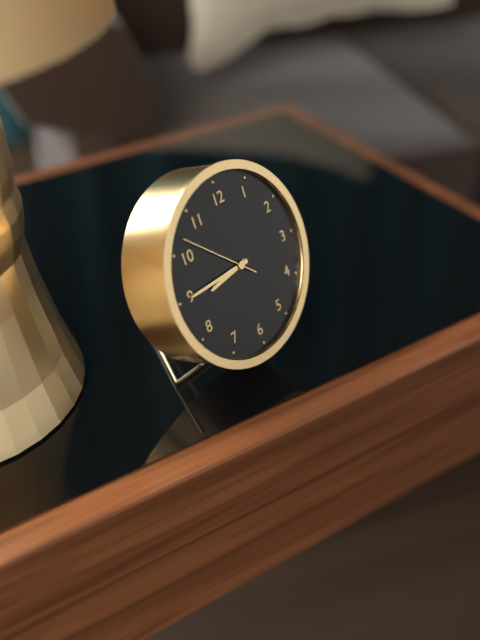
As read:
8.45.52
